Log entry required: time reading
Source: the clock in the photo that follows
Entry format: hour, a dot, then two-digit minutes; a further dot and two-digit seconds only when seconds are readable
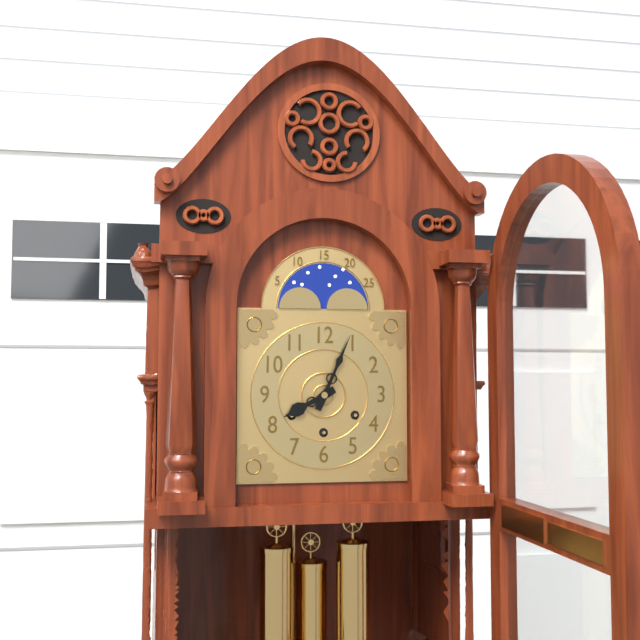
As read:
8.04
